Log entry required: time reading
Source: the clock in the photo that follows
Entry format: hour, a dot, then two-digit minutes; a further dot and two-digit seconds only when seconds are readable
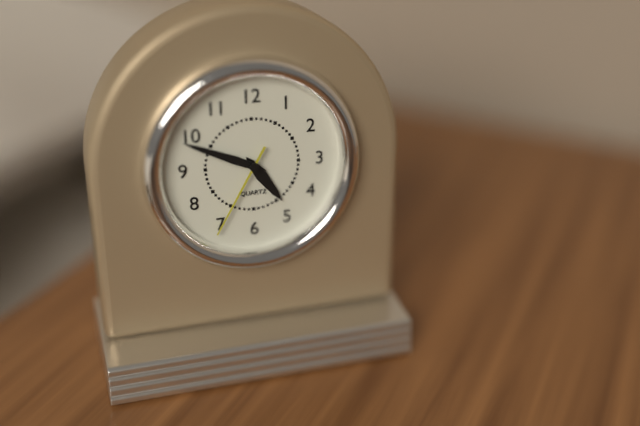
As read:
4.49.35
